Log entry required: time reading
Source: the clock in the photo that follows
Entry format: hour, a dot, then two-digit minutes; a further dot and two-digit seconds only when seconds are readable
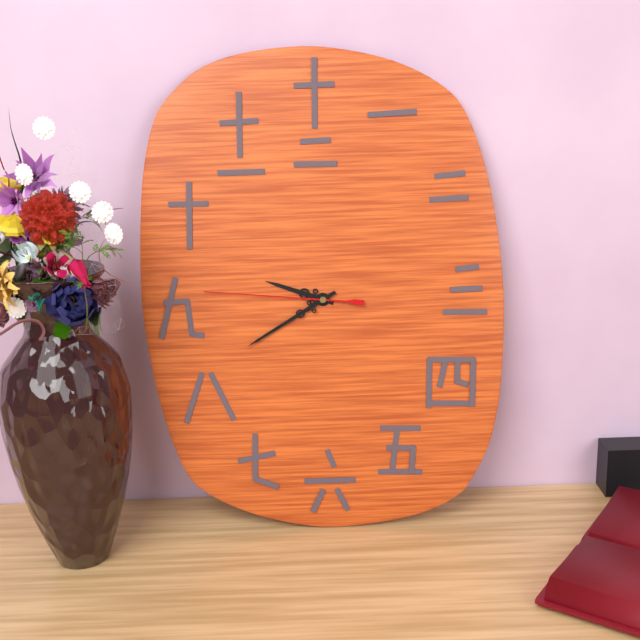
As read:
9.40.46
